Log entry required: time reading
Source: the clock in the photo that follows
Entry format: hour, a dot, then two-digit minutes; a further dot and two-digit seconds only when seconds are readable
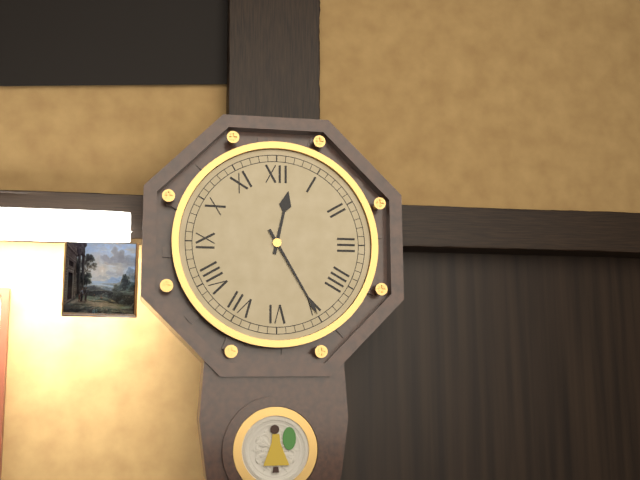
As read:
12.25
